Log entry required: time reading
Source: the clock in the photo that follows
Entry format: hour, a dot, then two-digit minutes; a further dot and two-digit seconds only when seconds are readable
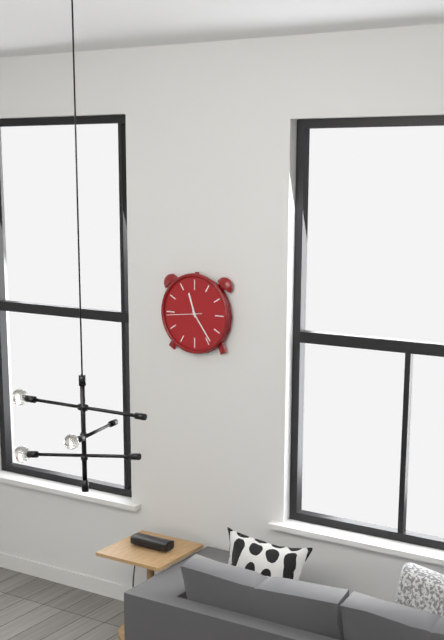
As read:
11.24
